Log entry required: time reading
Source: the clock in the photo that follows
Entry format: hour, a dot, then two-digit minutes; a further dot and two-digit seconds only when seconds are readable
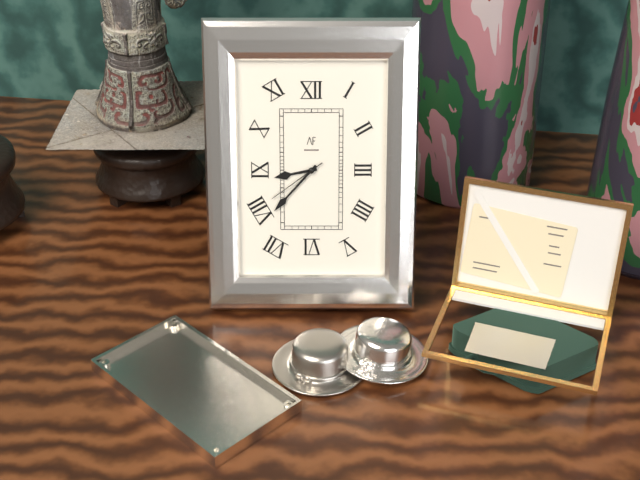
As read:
8.37.39
